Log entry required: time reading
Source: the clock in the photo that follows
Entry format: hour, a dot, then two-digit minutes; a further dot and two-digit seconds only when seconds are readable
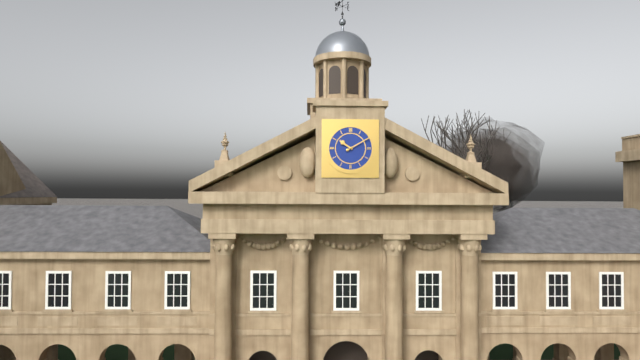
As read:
10.10
